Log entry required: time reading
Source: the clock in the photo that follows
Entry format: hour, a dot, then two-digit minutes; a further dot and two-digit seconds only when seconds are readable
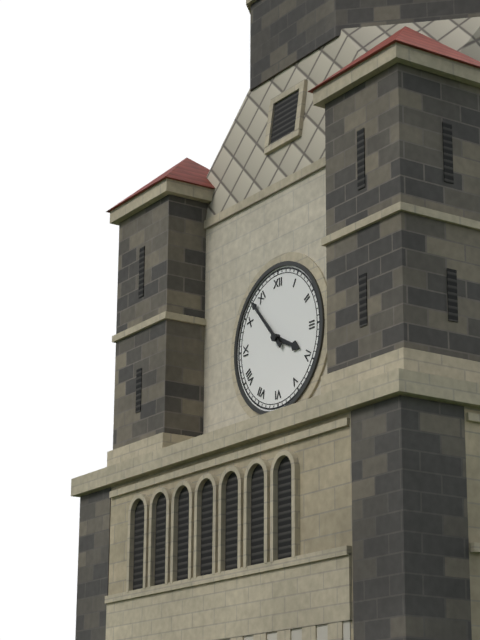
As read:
3.53
